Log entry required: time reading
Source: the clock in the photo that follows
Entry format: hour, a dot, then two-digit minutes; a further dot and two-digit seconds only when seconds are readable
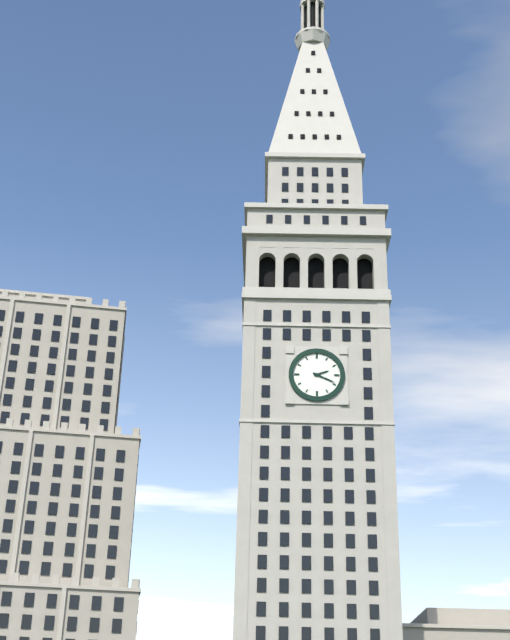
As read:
2.19
